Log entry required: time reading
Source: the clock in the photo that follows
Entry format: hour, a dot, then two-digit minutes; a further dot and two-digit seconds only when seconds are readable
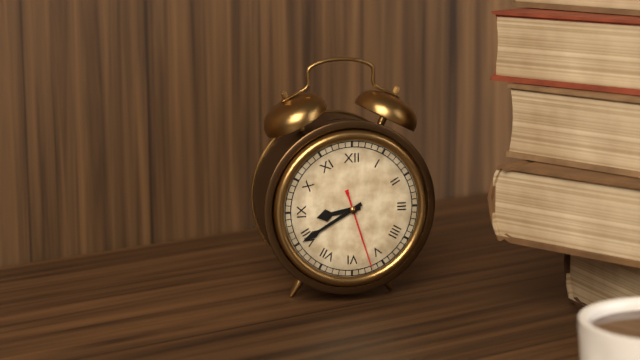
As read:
8.40.27
